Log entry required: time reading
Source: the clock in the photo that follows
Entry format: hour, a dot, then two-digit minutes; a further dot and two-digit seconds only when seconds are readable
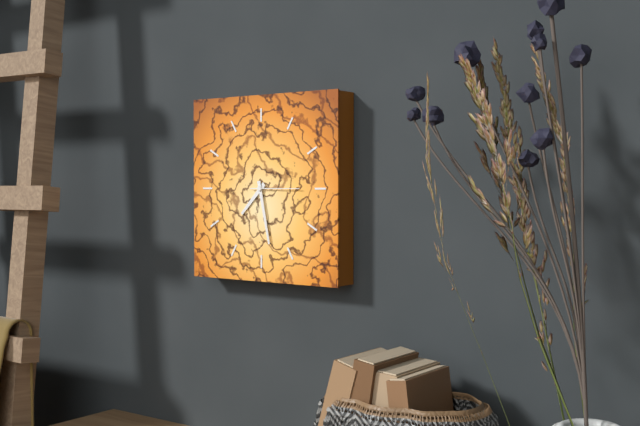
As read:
7.28
